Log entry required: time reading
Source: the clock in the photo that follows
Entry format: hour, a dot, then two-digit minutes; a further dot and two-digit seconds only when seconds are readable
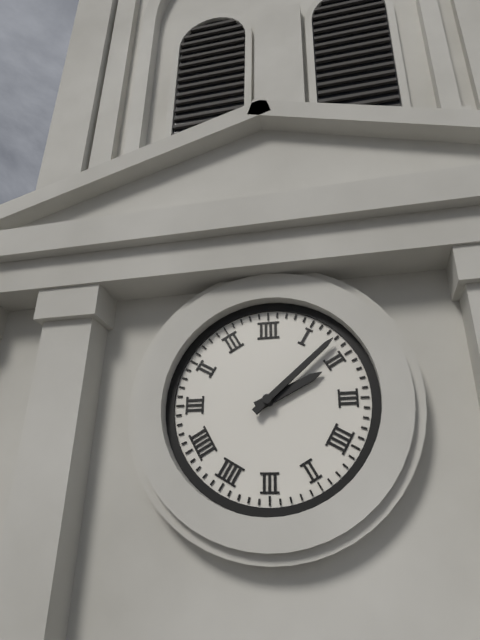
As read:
2.08
